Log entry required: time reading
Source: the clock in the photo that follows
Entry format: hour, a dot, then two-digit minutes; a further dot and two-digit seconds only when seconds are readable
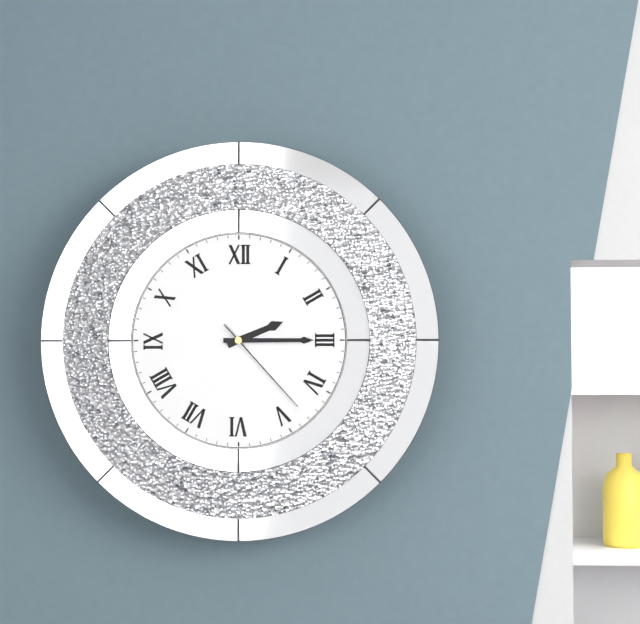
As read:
2.15.23
